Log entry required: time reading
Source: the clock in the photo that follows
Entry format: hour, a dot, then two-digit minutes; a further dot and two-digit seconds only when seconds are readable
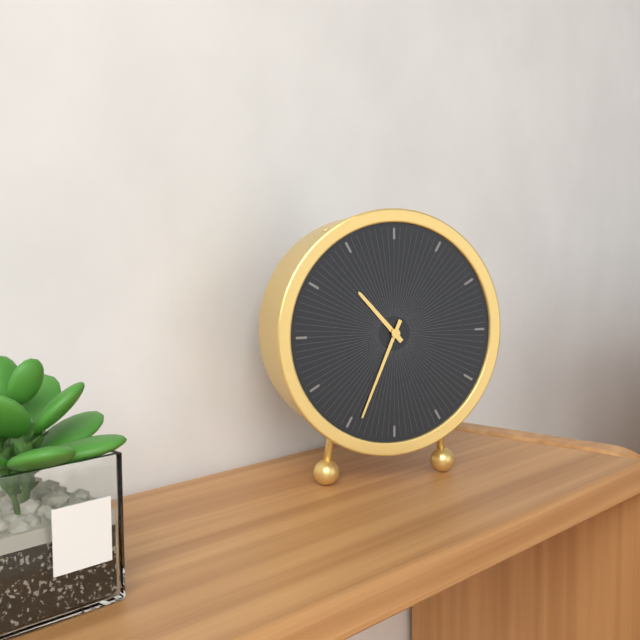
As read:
10.34
